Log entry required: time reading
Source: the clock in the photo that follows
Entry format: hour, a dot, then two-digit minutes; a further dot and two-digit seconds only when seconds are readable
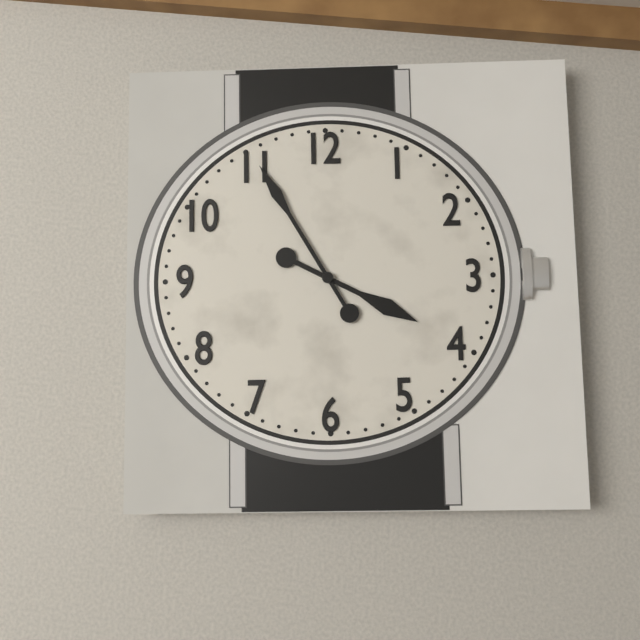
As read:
3.55
